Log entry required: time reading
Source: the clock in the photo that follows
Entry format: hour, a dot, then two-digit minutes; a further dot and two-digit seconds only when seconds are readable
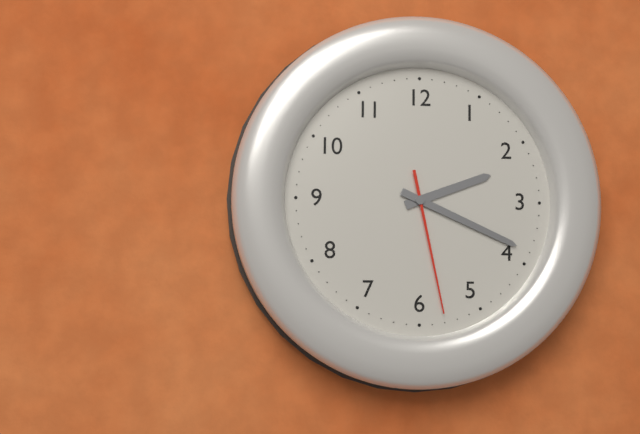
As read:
2.19.28
